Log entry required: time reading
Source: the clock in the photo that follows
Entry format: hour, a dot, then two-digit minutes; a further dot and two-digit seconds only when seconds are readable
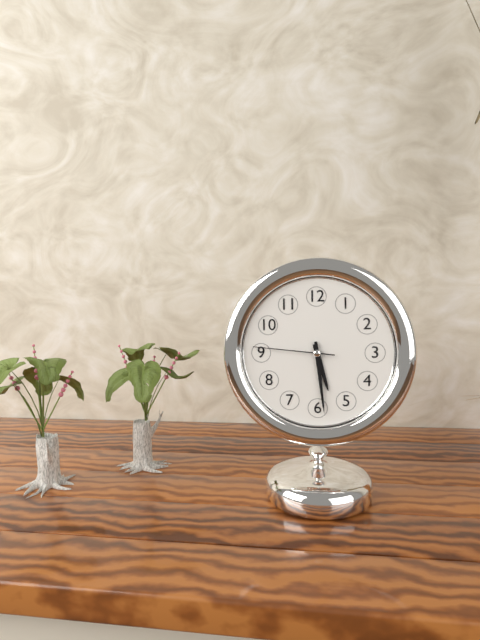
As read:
5.29.46
